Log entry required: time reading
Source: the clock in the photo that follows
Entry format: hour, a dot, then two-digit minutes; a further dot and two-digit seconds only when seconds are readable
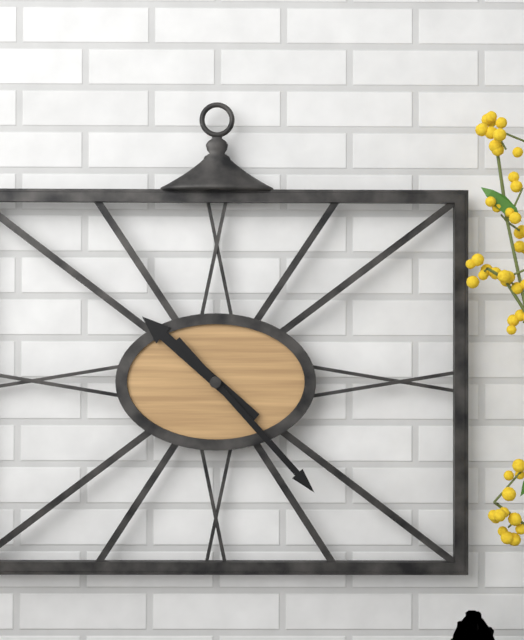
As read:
10.23
